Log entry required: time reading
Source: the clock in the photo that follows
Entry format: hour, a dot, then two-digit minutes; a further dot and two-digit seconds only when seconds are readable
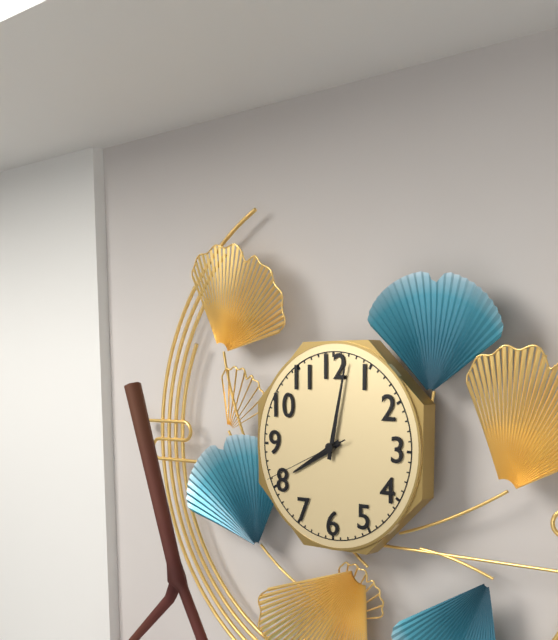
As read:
8.02.41
